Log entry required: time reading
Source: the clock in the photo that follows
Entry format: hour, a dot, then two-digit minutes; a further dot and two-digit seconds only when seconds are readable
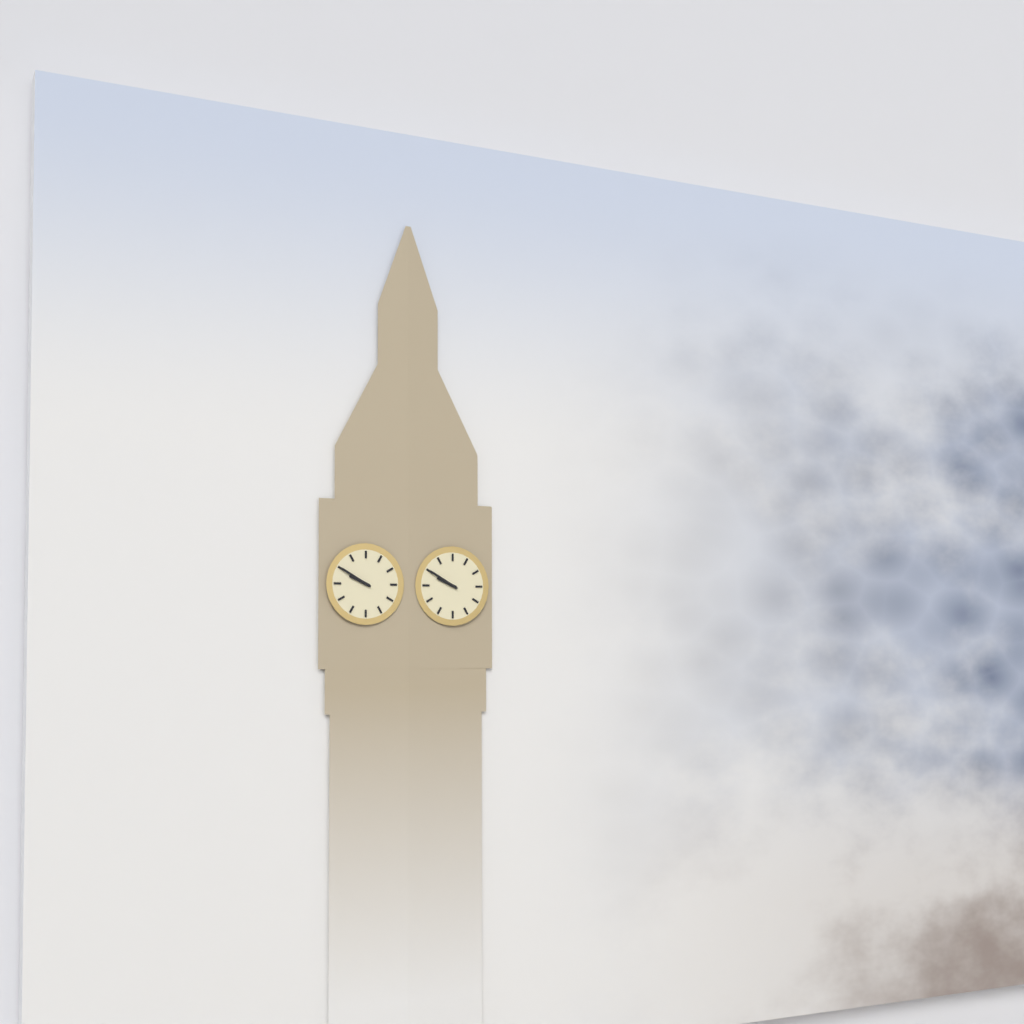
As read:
9.50
